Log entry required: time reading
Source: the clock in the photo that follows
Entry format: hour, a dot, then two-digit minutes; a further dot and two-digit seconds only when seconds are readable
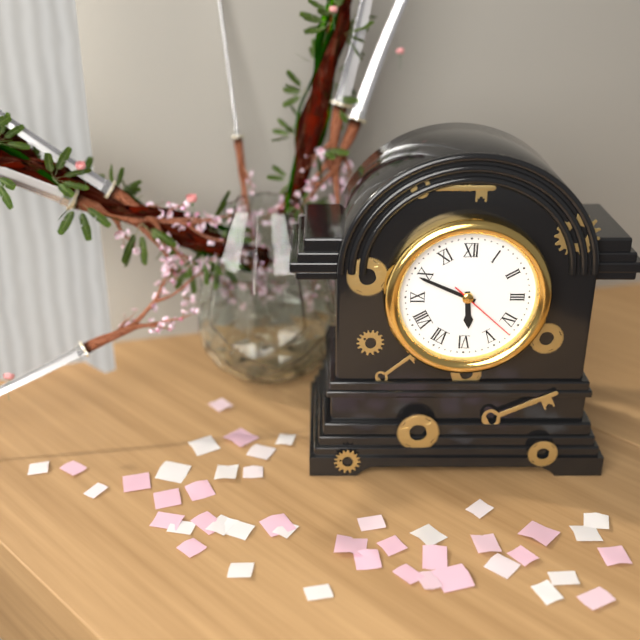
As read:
5.49.22
